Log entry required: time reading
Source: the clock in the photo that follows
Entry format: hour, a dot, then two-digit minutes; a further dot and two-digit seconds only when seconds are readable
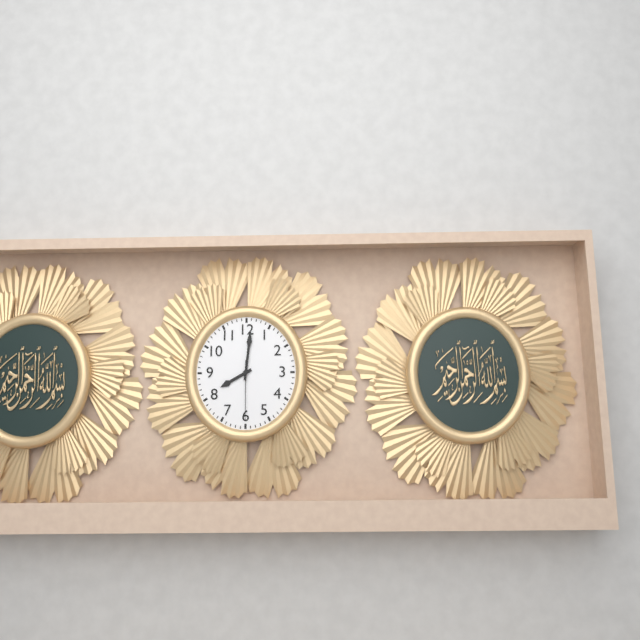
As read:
8.01.30
